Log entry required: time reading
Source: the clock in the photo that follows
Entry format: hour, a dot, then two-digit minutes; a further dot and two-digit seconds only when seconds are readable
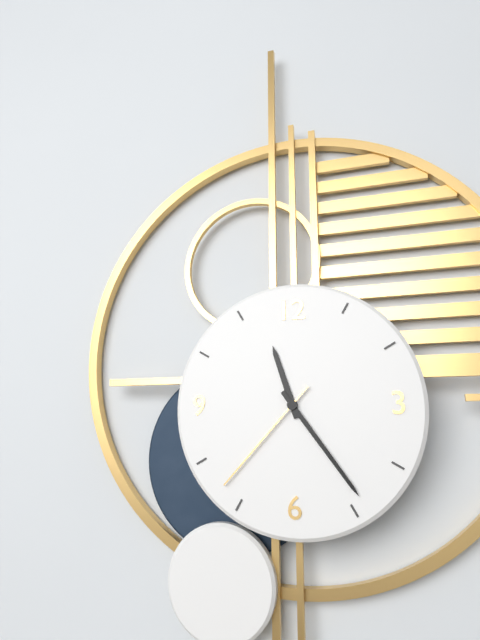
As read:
11.24.37
